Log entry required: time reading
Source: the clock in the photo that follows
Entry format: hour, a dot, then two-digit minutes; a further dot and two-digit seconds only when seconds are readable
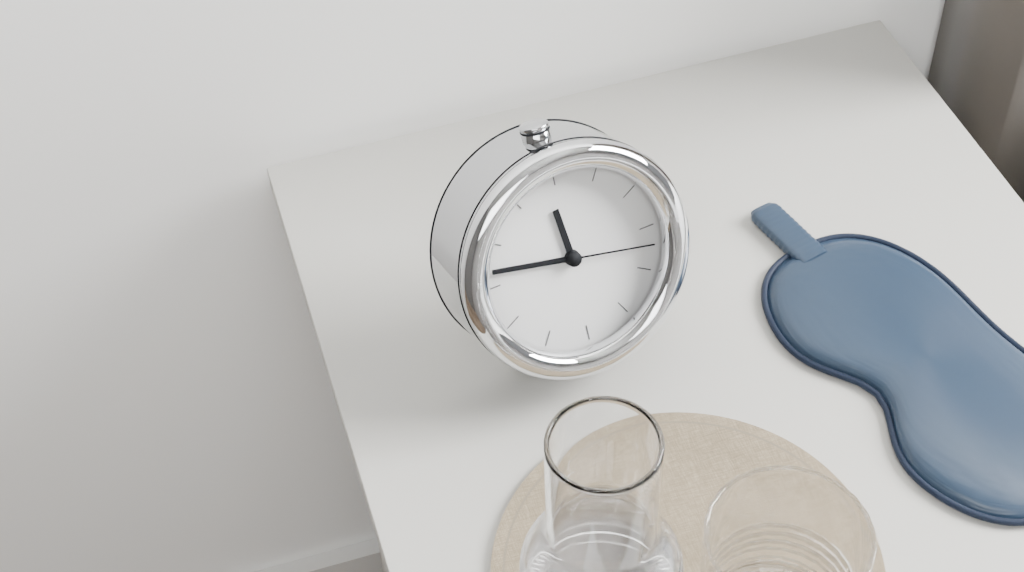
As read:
11.47.17
